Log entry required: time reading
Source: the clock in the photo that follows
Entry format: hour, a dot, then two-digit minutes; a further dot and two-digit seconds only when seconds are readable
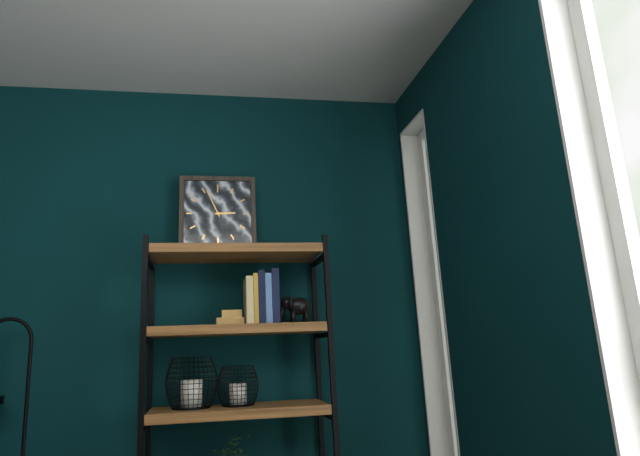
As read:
2.56
